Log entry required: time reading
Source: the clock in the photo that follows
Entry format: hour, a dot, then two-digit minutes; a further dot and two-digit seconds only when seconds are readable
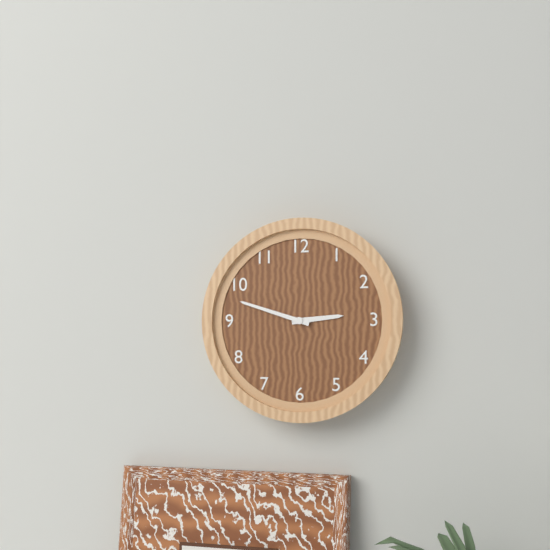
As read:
2.48
